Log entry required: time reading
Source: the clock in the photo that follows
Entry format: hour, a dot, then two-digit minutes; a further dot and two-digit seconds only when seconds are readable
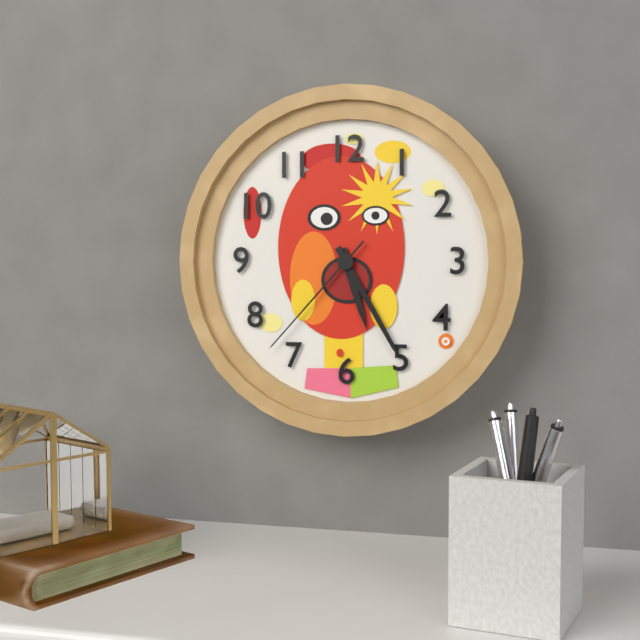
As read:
5.25.37
